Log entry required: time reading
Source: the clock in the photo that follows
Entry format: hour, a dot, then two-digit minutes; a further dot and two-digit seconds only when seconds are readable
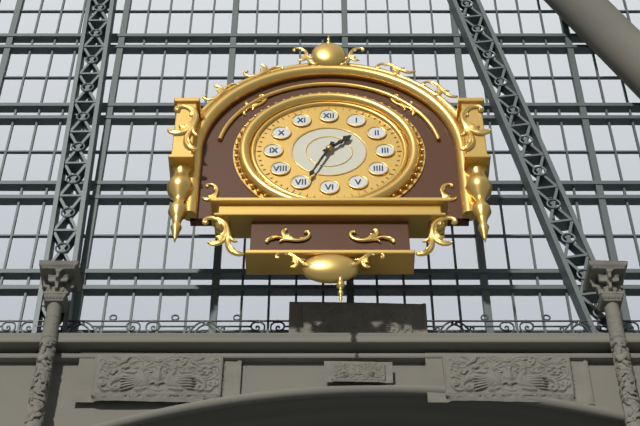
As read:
1.34
